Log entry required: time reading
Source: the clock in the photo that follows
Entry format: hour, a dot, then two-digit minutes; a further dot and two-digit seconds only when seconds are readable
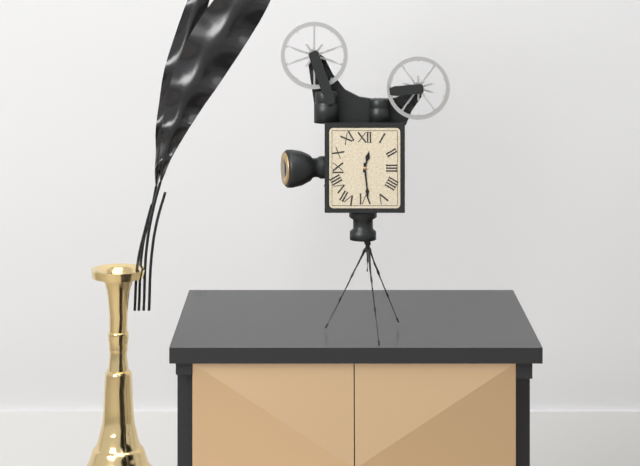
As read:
12.29
